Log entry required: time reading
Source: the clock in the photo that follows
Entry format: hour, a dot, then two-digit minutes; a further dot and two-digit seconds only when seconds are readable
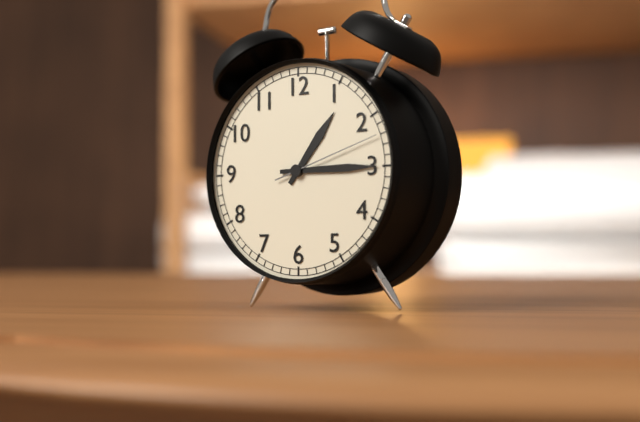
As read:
1.15.12
